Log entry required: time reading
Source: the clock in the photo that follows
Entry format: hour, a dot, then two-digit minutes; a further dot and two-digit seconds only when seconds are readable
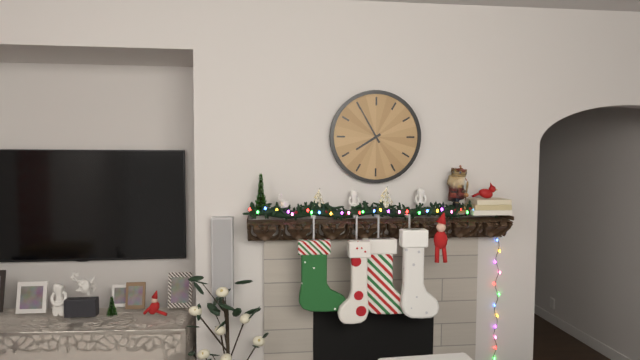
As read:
7.55
